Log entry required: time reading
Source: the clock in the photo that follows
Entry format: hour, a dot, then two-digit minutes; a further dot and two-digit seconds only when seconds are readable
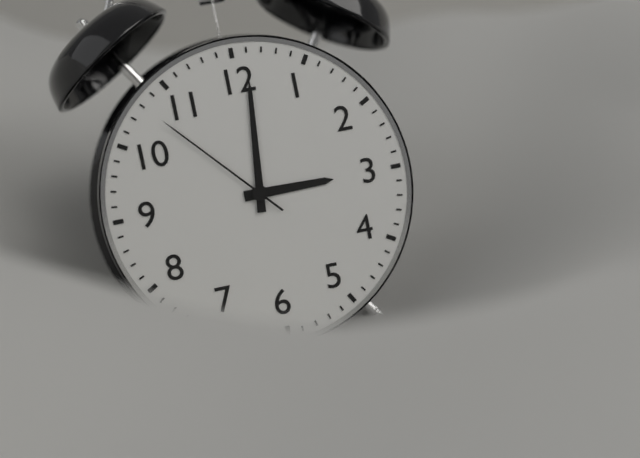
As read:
3.01.53
